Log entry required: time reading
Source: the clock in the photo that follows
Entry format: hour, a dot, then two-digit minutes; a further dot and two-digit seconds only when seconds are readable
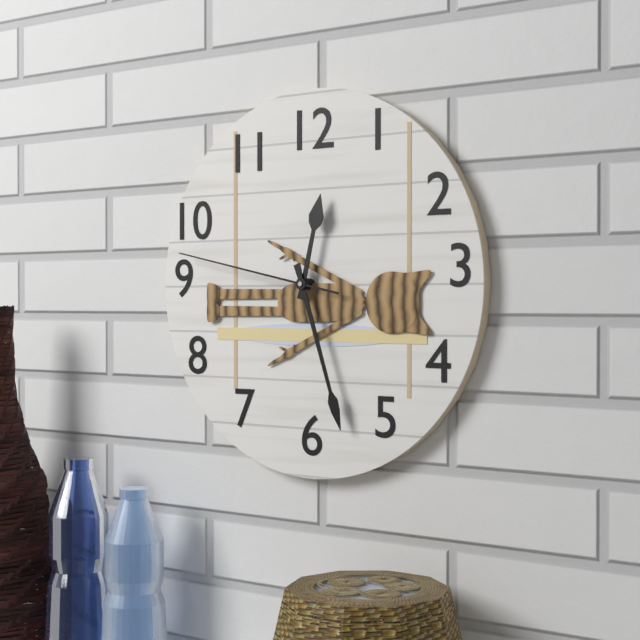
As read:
12.27.47
